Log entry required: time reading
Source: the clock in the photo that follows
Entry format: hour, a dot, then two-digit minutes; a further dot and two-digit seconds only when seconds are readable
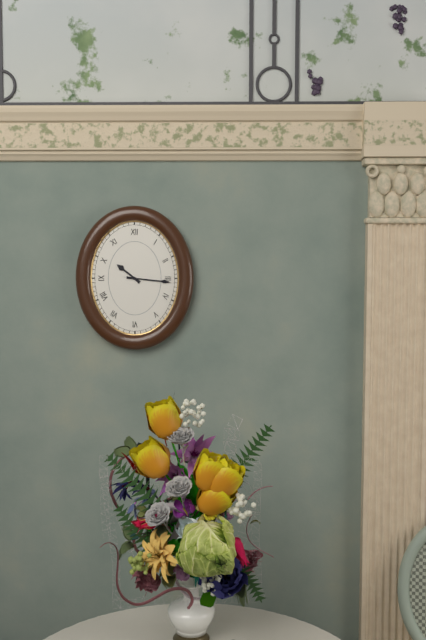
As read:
10.16
